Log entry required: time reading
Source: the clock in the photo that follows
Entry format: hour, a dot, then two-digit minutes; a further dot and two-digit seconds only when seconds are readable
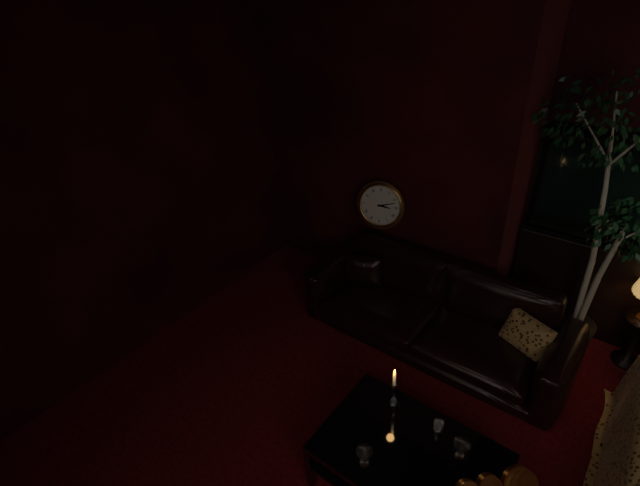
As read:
3.12
